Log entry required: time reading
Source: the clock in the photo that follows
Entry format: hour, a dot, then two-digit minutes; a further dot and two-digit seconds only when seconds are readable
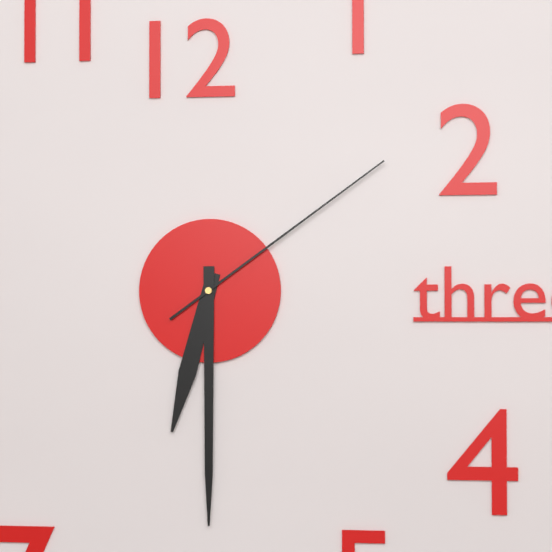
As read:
6.30.09
